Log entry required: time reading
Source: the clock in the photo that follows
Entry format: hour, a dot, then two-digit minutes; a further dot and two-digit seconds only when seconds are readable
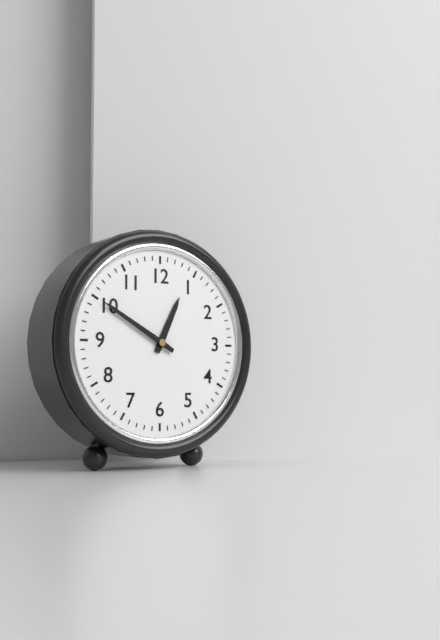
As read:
12.50
